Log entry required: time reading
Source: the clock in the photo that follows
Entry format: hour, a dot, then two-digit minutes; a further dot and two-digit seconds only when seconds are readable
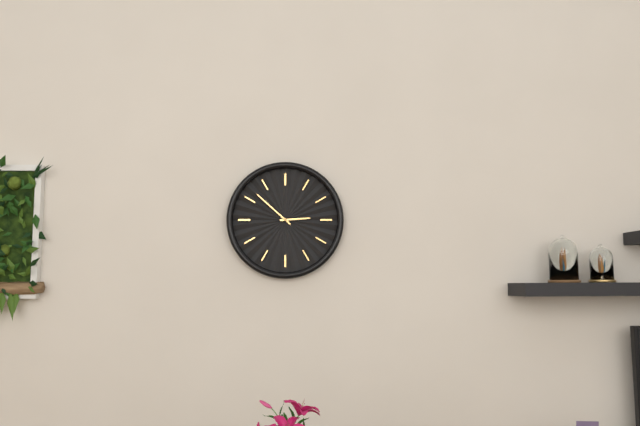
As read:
2.52
